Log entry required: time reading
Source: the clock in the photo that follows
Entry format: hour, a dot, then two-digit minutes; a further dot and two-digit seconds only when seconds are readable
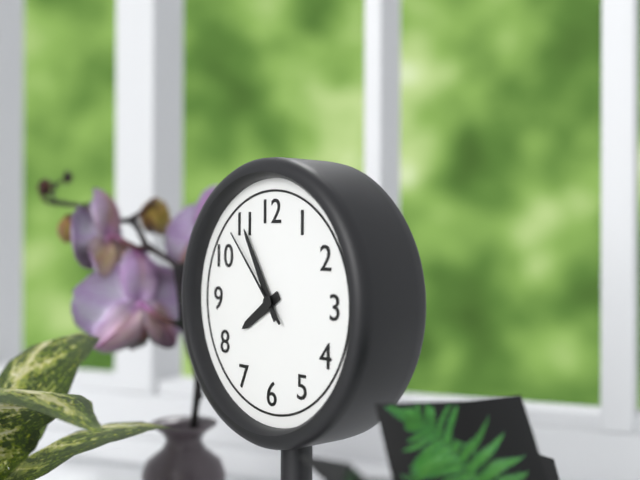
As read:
7.55.53
